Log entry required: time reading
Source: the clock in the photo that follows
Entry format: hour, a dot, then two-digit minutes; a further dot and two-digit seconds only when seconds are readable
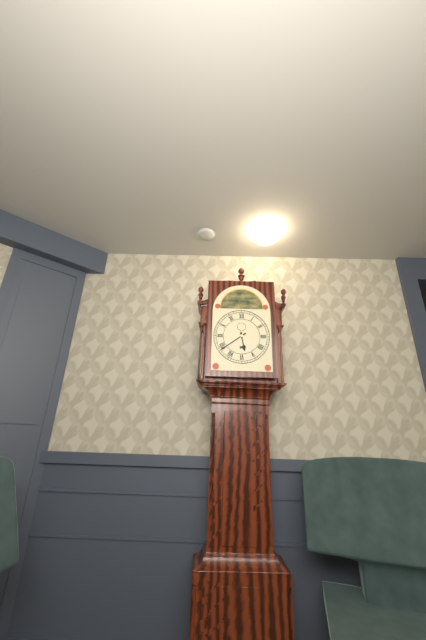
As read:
5.39
